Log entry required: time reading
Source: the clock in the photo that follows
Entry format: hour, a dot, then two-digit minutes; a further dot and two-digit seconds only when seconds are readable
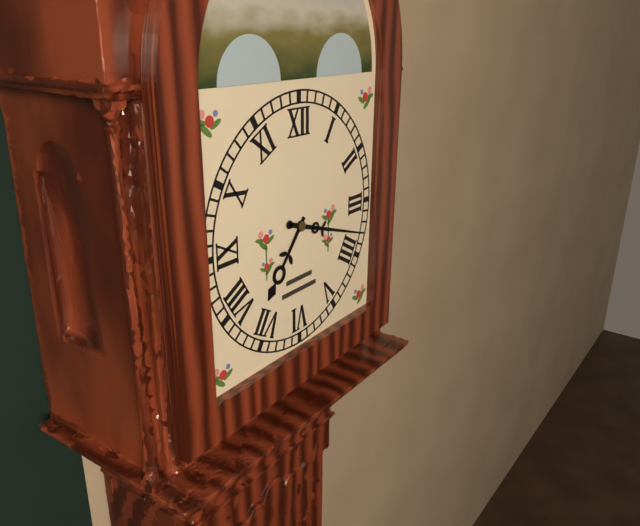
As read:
7.18
